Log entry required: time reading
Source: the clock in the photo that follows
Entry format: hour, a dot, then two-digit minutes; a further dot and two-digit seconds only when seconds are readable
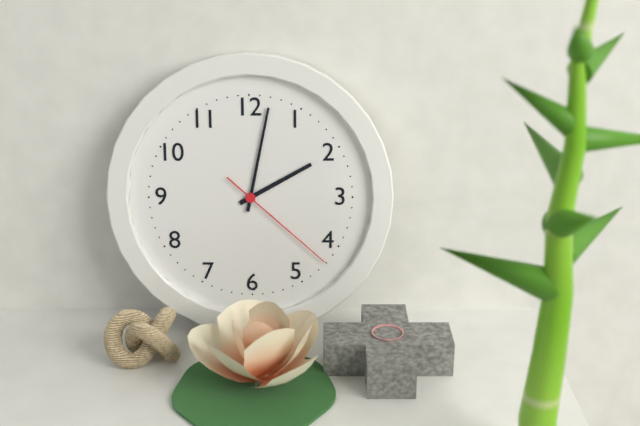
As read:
2.02.22
